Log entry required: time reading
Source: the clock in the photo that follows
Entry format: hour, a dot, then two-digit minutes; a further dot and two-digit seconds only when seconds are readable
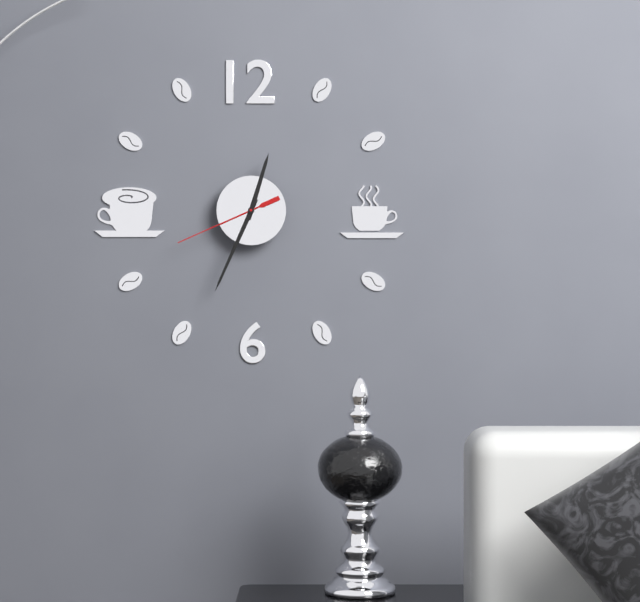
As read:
12.34.41
